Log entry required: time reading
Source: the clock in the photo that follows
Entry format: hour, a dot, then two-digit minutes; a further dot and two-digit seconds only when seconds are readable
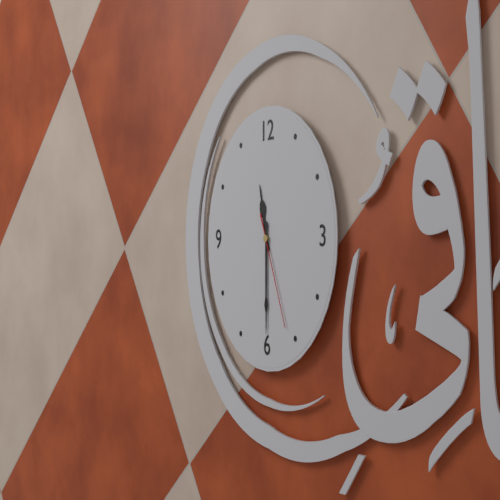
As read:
11.30.26
